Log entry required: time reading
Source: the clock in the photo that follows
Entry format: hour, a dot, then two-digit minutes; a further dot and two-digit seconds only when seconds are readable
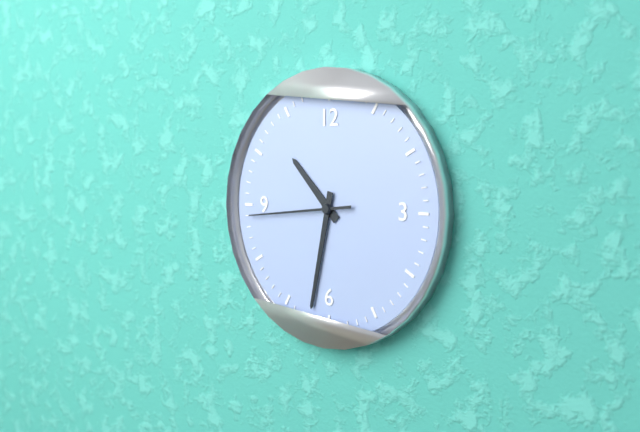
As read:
10.32.44
